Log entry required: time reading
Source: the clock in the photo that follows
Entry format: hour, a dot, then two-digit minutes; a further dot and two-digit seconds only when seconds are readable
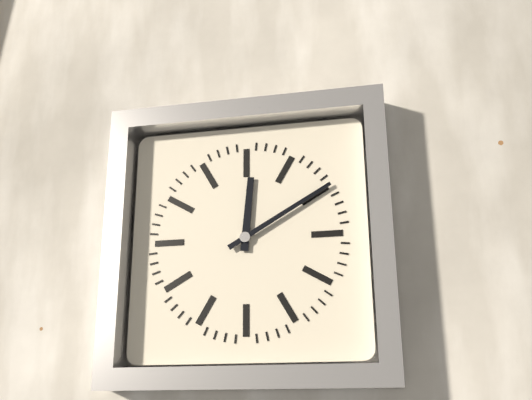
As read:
12.10
